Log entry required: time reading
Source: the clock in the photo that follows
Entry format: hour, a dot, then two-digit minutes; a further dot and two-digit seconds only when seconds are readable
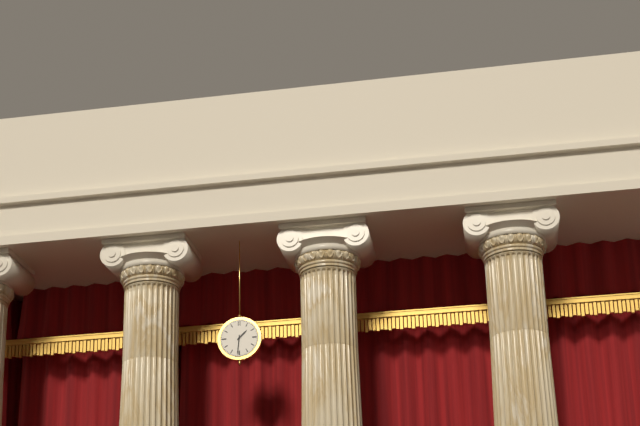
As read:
1.31
